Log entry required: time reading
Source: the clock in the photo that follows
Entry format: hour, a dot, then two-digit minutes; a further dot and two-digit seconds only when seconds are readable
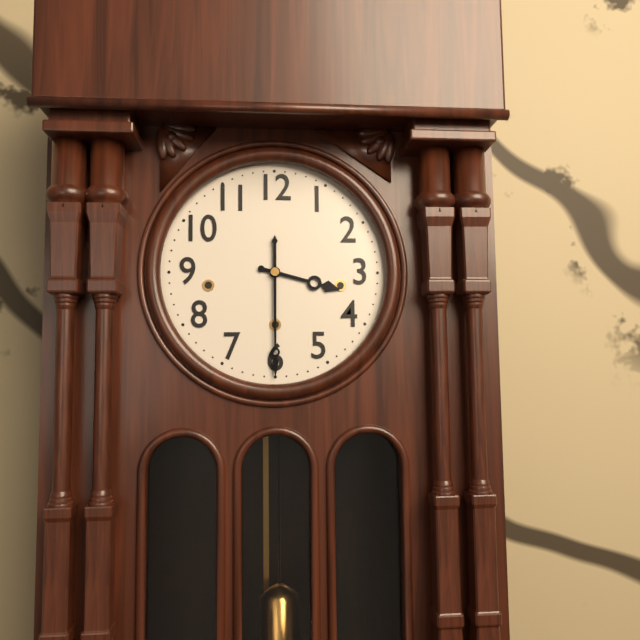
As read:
3.30
